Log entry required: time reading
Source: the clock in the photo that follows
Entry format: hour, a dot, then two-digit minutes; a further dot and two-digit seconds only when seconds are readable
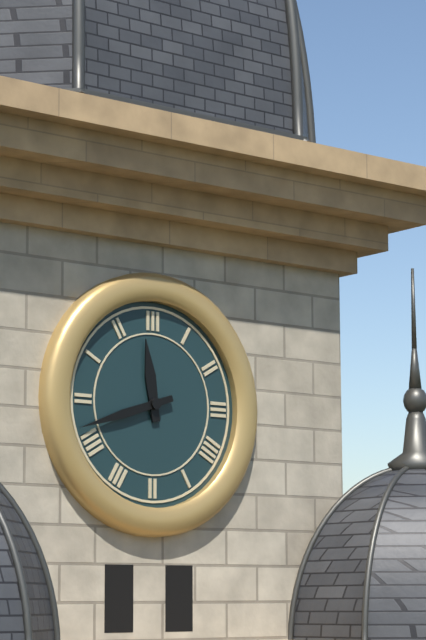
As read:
11.42
